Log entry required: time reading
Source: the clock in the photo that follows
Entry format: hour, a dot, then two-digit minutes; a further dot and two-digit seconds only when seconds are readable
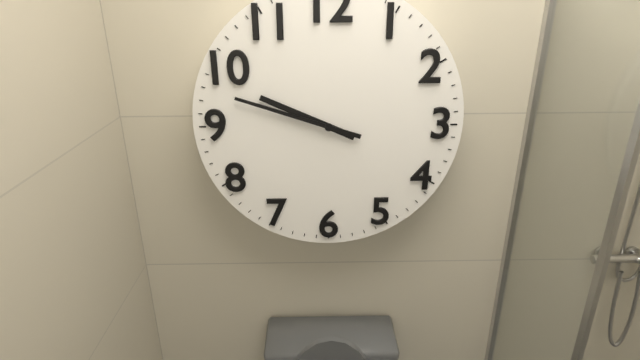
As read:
9.48
